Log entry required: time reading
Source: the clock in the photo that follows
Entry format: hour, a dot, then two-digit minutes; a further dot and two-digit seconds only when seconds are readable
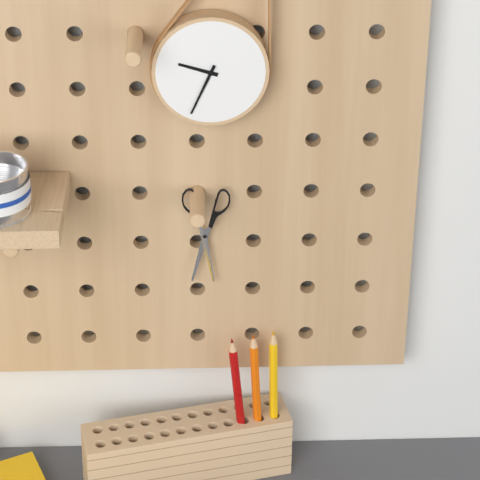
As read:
9.34
